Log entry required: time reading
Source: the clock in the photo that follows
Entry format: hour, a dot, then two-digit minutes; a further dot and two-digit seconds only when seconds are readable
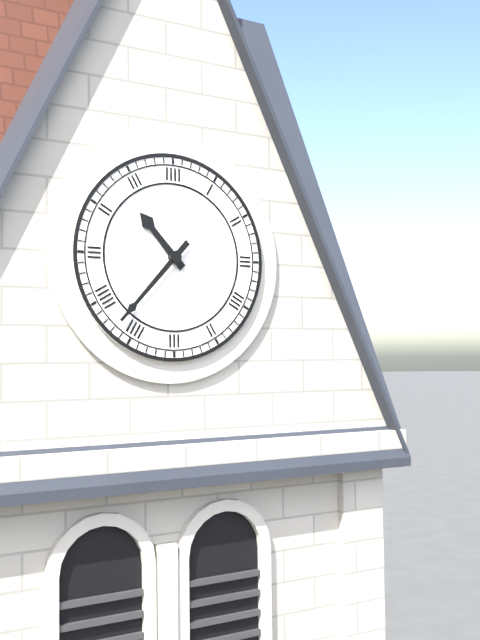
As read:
10.37
